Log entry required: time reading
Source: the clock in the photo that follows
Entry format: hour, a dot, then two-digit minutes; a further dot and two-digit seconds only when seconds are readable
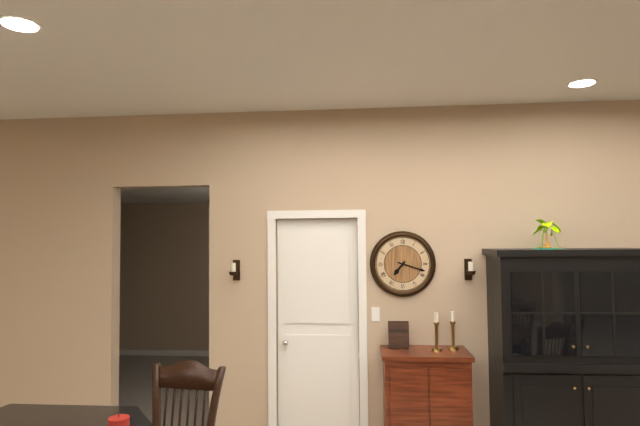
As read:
7.18
